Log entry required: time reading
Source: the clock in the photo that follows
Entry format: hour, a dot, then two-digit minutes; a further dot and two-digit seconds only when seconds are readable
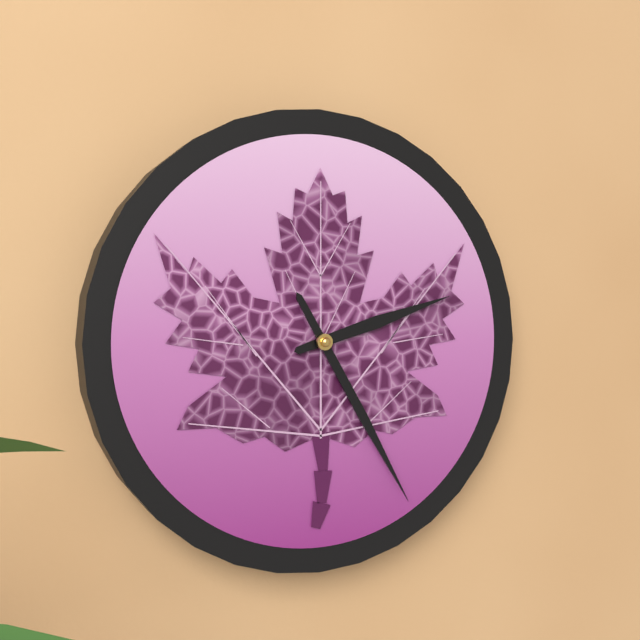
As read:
2.25
